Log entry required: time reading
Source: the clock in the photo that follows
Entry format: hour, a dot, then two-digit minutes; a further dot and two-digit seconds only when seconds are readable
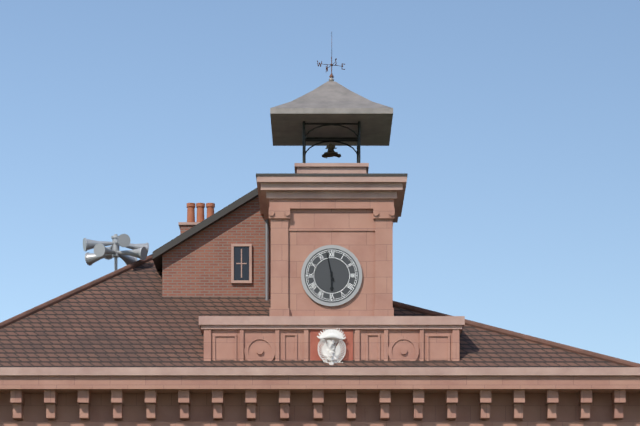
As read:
5.58
